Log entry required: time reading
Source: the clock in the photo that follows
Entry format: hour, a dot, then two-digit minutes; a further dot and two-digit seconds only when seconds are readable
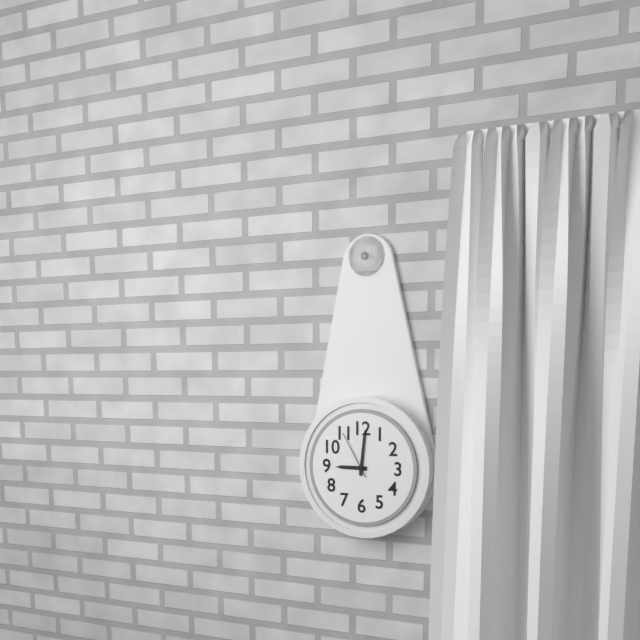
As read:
9.01
